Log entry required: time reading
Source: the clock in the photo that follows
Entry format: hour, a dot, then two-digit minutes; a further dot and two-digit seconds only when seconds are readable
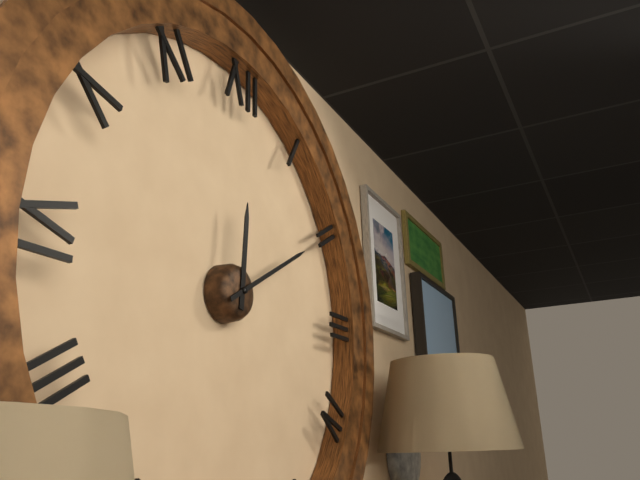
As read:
12.10
